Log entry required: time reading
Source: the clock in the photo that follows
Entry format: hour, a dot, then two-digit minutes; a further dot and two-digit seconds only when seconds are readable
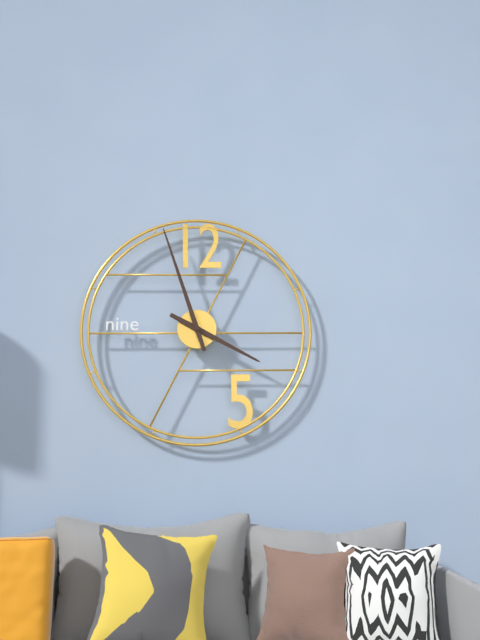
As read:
3.57
